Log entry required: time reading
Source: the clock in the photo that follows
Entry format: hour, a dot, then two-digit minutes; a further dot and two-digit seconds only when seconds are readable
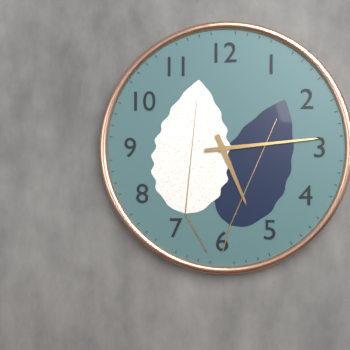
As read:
5.14
